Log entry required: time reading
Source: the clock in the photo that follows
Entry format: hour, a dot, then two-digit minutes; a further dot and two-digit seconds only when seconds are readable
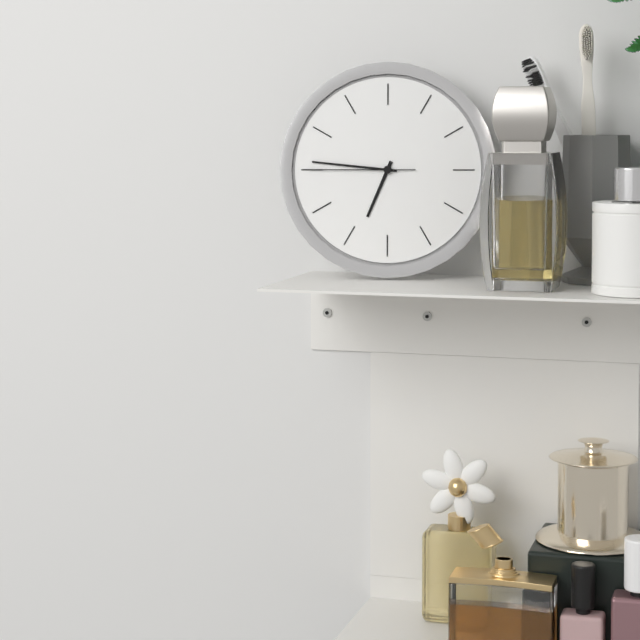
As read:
6.46.45
